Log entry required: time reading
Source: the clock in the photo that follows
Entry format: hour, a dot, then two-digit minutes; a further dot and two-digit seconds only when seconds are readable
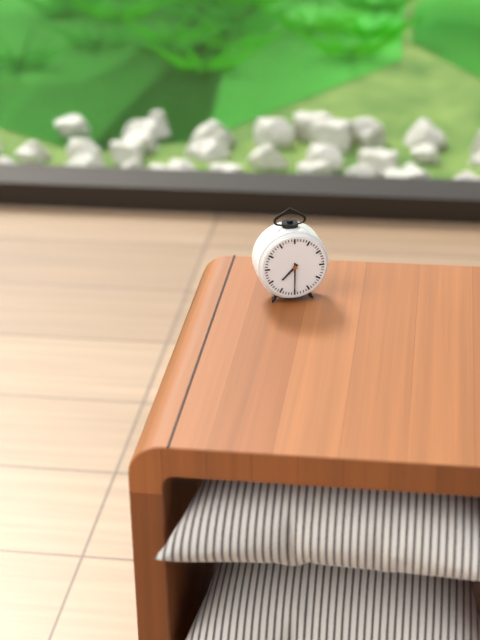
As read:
7.30
